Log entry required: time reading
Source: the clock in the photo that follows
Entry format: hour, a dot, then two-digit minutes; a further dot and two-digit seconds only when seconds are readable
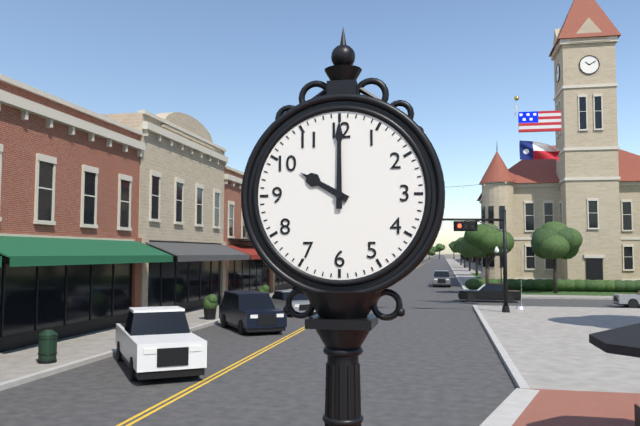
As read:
10.00
